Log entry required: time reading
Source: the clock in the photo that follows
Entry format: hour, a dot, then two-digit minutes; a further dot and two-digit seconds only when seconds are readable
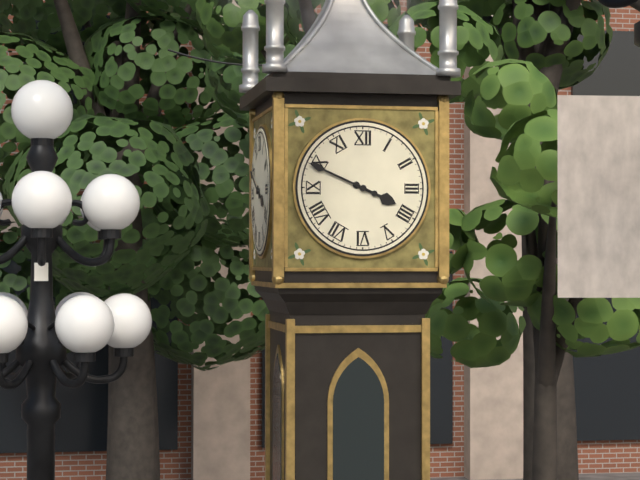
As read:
3.49
